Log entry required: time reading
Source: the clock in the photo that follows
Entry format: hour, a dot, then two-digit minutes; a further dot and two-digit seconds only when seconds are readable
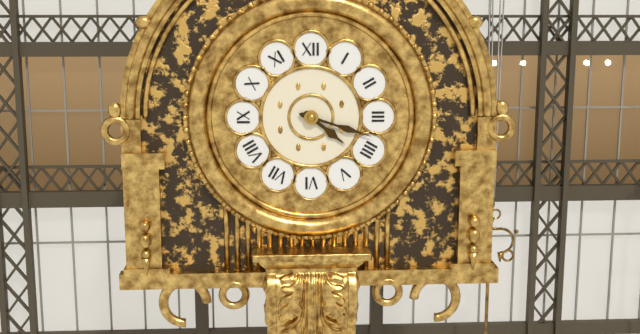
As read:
4.18
